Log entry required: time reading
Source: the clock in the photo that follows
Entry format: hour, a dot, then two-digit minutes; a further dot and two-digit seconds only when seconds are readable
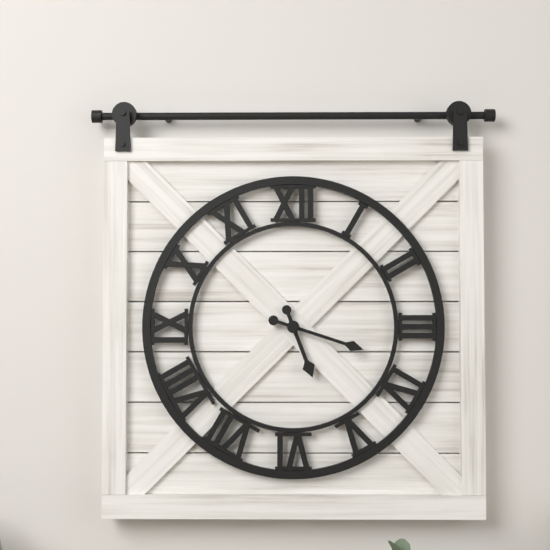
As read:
5.18
